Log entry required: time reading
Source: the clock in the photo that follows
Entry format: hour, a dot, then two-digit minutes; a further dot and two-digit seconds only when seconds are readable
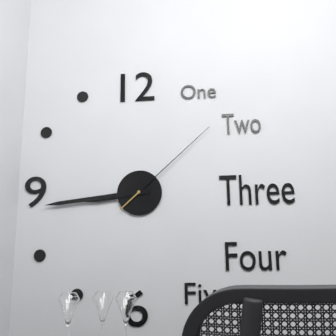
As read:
8.44.08
